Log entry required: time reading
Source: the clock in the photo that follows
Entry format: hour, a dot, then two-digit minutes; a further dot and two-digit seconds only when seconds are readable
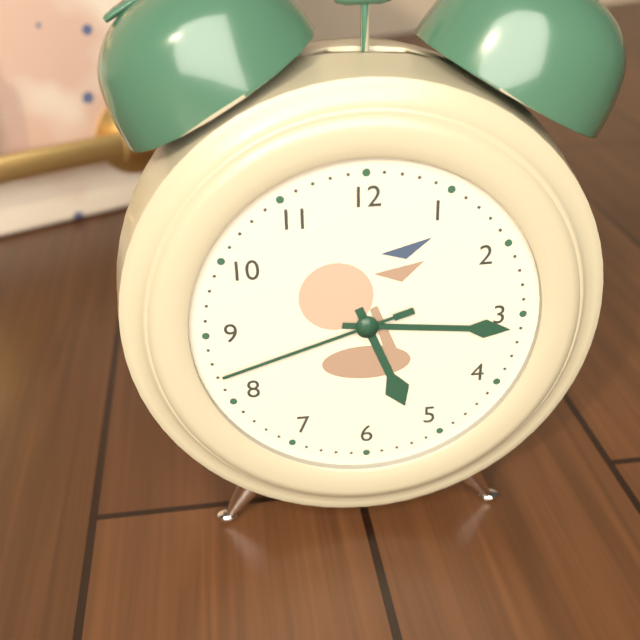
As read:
5.16.42
